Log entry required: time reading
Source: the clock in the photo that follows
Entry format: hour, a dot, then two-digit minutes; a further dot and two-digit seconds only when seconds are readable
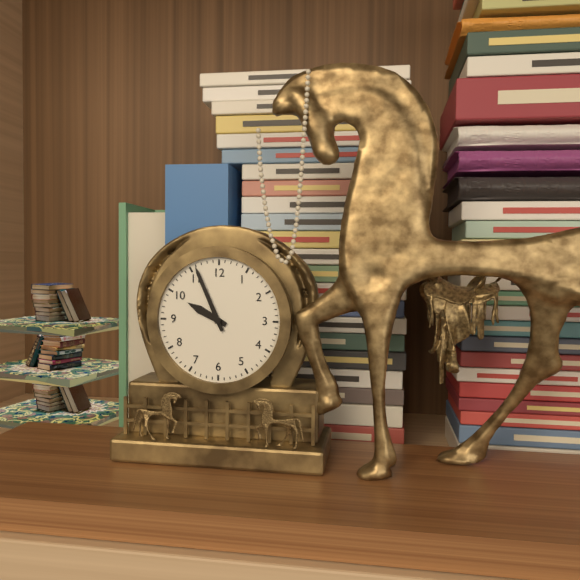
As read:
9.56
